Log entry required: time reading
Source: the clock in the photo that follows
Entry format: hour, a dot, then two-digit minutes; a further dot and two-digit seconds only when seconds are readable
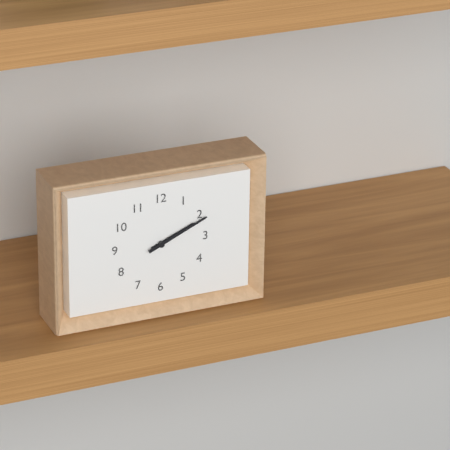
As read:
2.11
